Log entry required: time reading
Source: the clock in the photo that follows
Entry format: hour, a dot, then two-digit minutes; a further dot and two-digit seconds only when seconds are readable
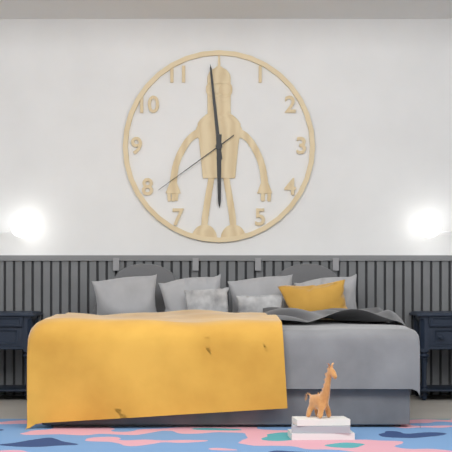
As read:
5.59.39
